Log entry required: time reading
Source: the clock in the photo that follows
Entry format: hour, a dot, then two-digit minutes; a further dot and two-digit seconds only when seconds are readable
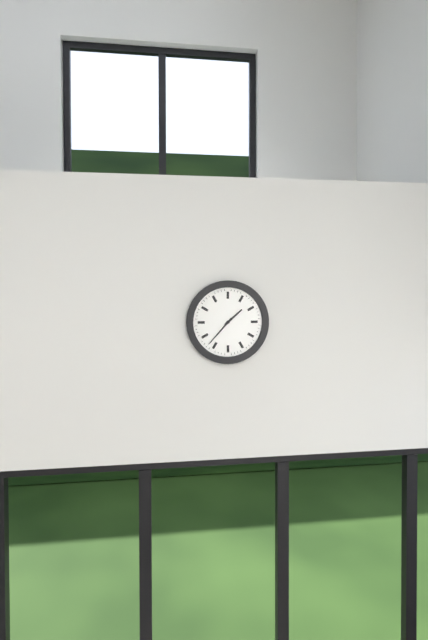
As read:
1.37
